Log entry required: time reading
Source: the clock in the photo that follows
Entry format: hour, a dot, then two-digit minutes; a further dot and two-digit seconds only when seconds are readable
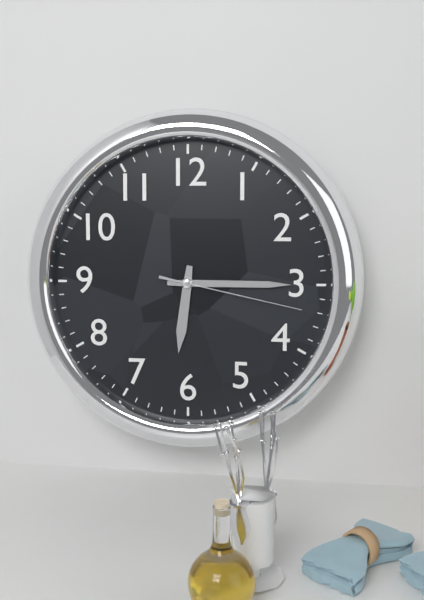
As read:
6.15.17
